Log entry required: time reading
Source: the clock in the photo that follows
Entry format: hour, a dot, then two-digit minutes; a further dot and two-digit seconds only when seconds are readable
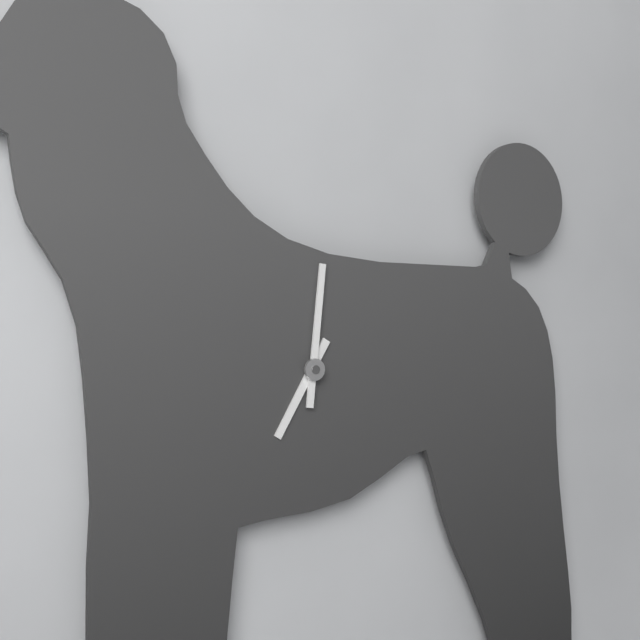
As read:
7.01
